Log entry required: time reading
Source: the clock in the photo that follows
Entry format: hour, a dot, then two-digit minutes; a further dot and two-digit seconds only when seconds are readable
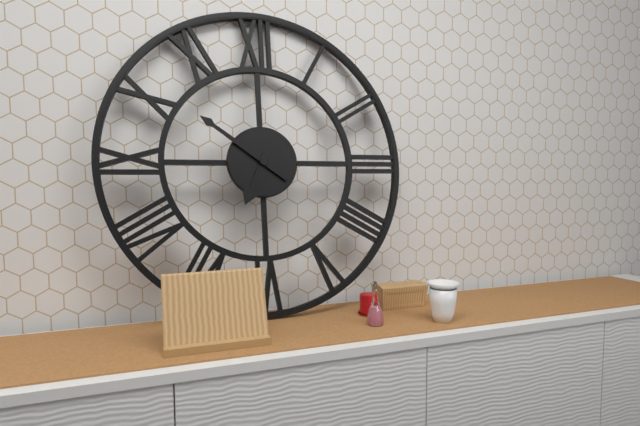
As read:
6.51
